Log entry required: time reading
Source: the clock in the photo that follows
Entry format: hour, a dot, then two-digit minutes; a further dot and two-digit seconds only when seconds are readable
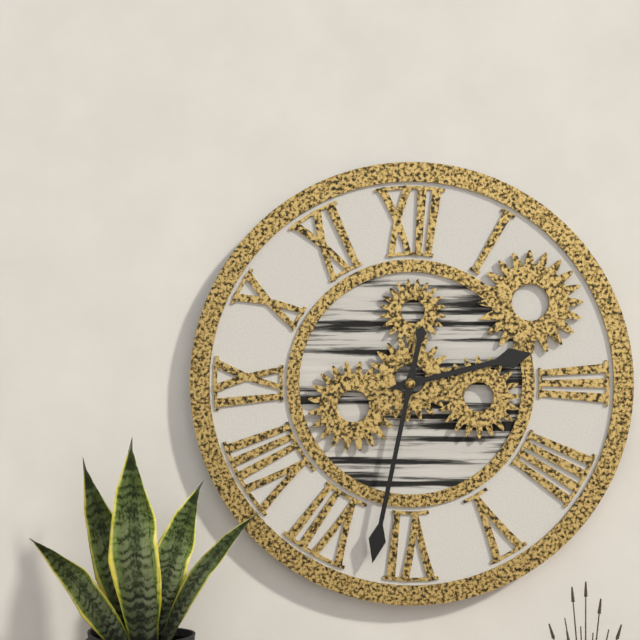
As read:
2.32
